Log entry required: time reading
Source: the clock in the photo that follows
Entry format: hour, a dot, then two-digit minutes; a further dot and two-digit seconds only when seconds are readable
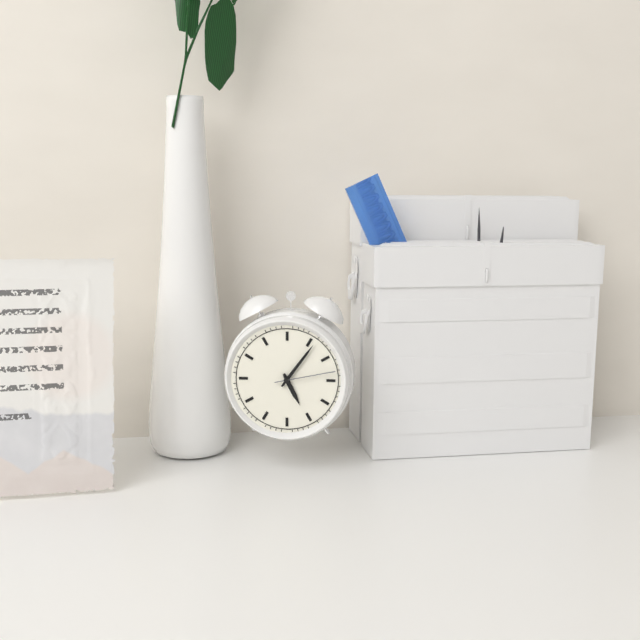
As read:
5.06.13
